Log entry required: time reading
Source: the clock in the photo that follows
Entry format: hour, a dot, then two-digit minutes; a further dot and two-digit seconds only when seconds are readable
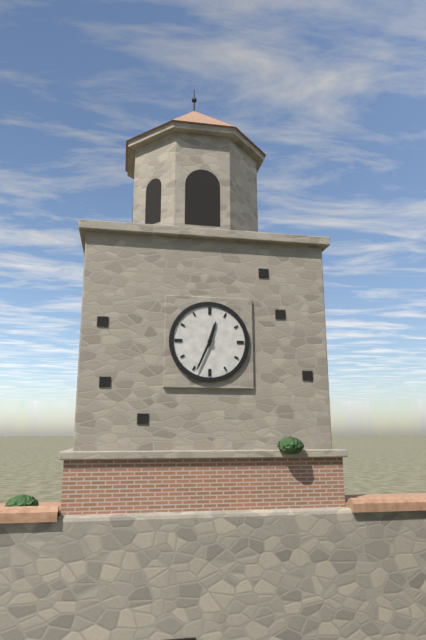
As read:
12.34
